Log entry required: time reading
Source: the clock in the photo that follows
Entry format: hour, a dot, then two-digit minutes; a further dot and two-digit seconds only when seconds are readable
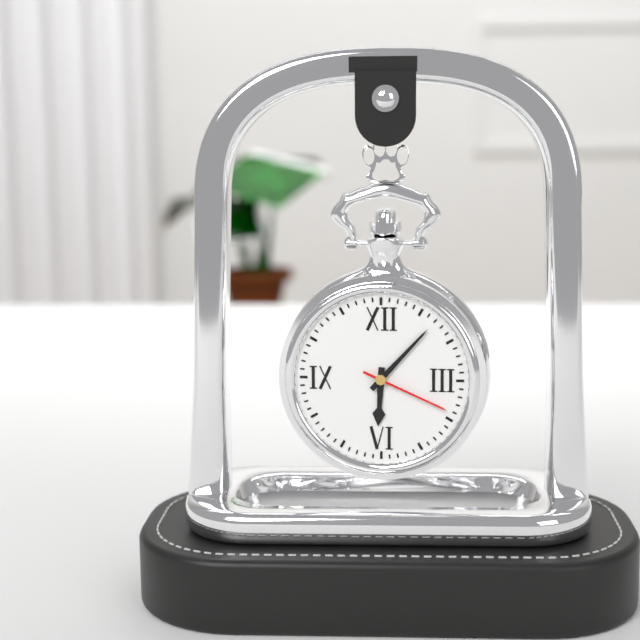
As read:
6.07.19
